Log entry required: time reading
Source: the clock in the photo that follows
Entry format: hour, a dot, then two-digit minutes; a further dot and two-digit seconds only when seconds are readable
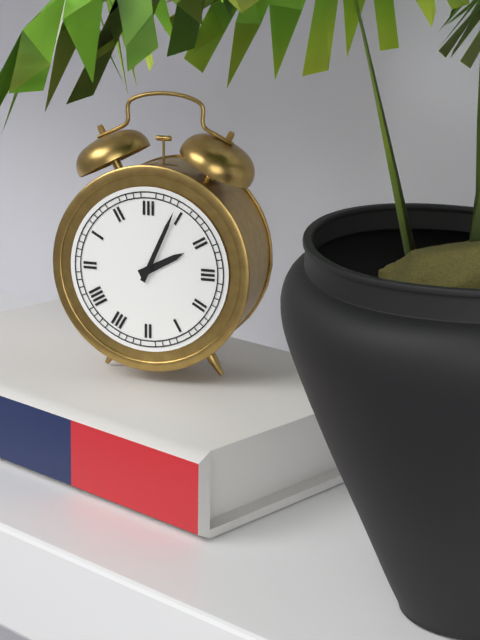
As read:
2.04
